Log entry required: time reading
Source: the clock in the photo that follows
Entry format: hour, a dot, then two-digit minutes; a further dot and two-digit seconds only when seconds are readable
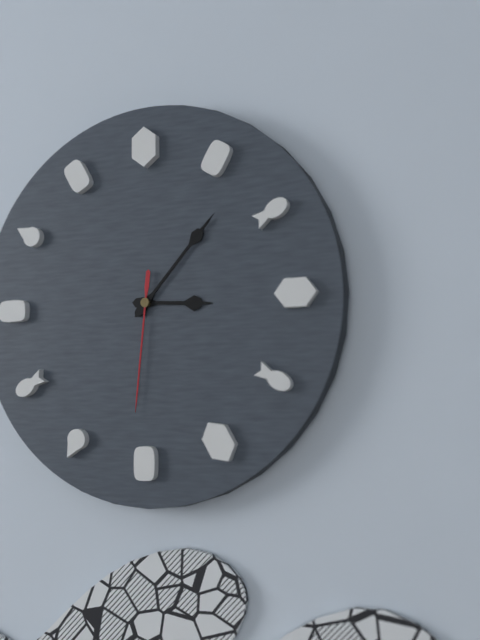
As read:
3.07.31
